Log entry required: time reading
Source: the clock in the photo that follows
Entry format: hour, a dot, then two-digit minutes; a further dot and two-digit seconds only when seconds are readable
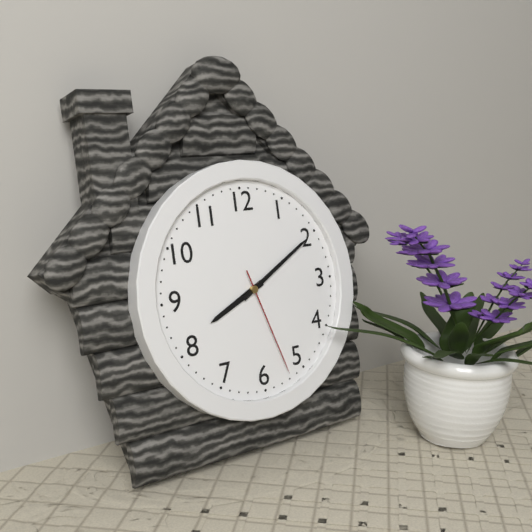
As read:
8.10.27
